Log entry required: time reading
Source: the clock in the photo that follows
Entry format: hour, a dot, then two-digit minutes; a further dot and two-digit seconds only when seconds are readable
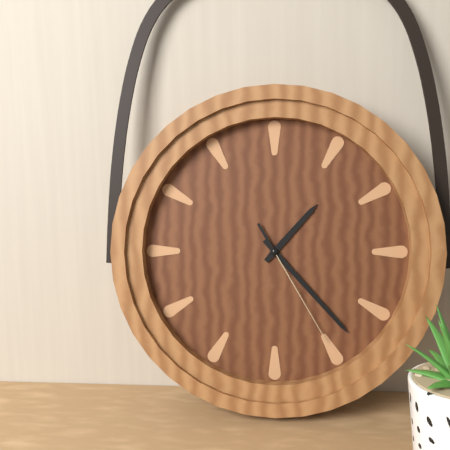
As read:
1.23.25
